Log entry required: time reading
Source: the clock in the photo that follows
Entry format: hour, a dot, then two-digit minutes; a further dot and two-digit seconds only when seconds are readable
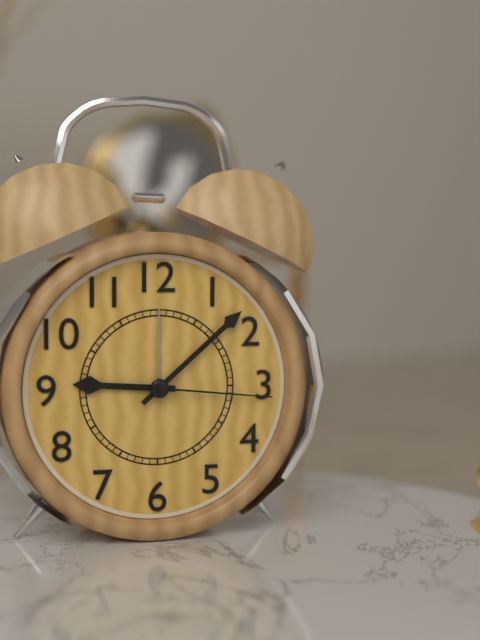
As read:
9.08.16
